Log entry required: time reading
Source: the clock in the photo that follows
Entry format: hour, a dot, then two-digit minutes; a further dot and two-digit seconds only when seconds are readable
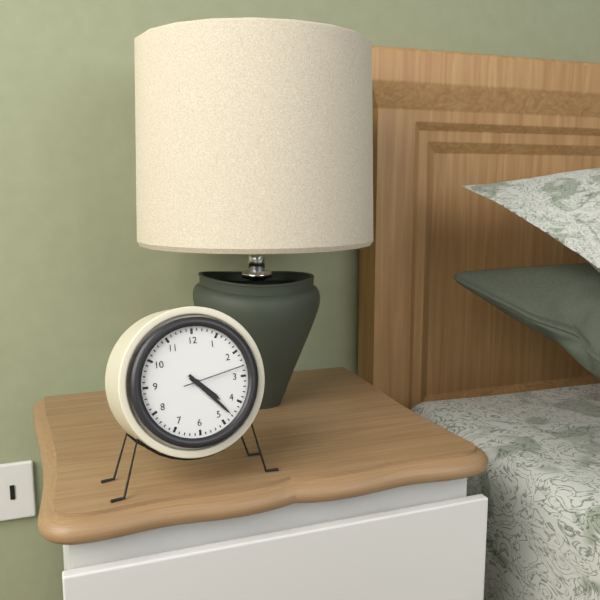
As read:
4.23.13
